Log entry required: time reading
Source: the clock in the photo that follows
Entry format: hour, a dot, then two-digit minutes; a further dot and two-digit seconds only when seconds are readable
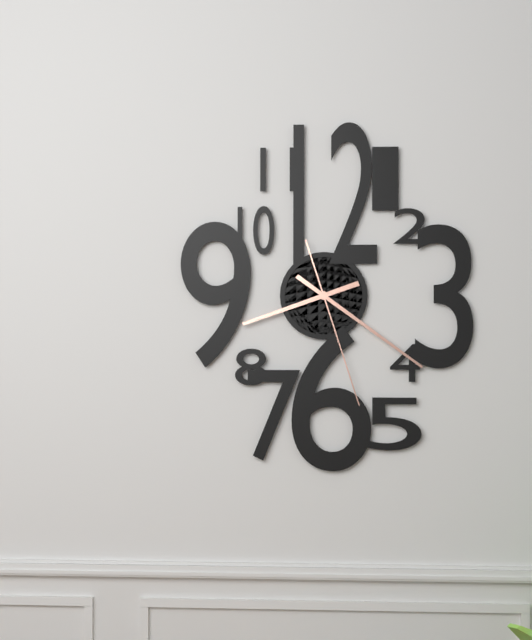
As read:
8.21.27
